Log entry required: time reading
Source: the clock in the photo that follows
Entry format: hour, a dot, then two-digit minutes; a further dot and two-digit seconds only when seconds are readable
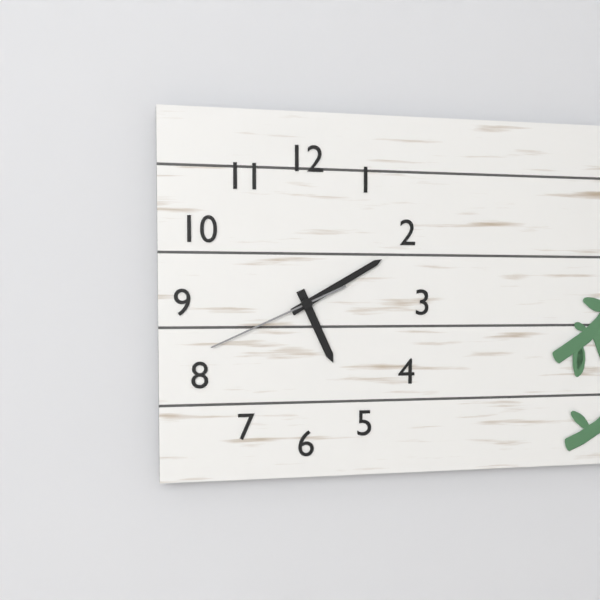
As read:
5.10.41
